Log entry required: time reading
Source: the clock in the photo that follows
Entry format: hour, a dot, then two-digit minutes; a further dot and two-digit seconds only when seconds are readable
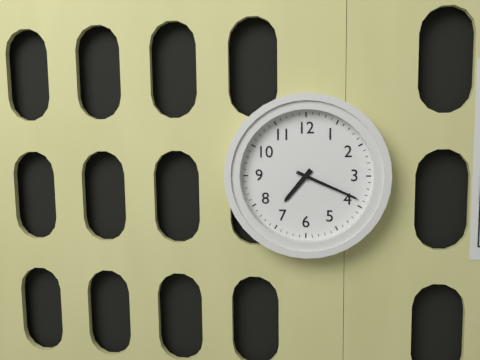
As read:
7.19
